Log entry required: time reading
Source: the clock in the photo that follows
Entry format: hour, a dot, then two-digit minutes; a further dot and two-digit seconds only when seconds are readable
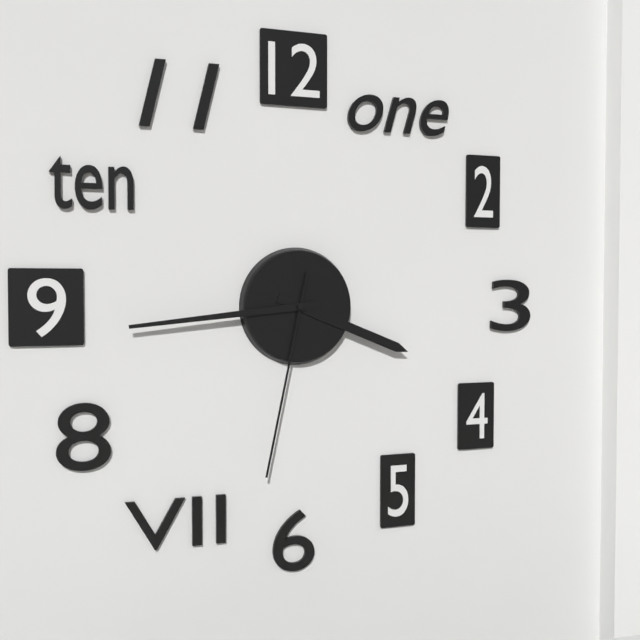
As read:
3.44.32
